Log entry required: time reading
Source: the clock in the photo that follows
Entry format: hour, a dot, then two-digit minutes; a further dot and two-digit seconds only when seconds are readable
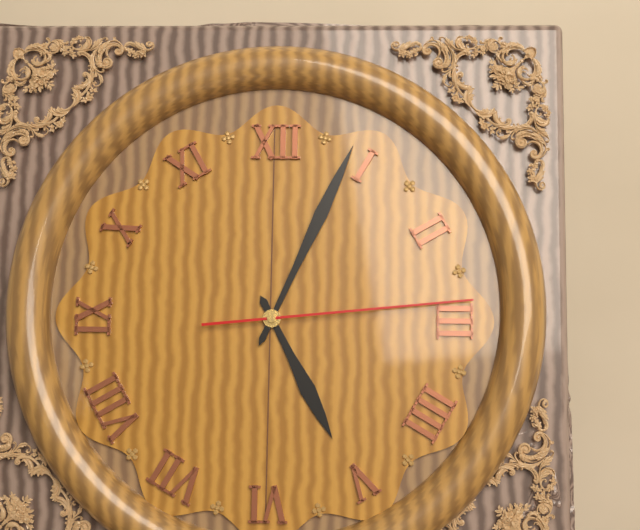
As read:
5.04.14
